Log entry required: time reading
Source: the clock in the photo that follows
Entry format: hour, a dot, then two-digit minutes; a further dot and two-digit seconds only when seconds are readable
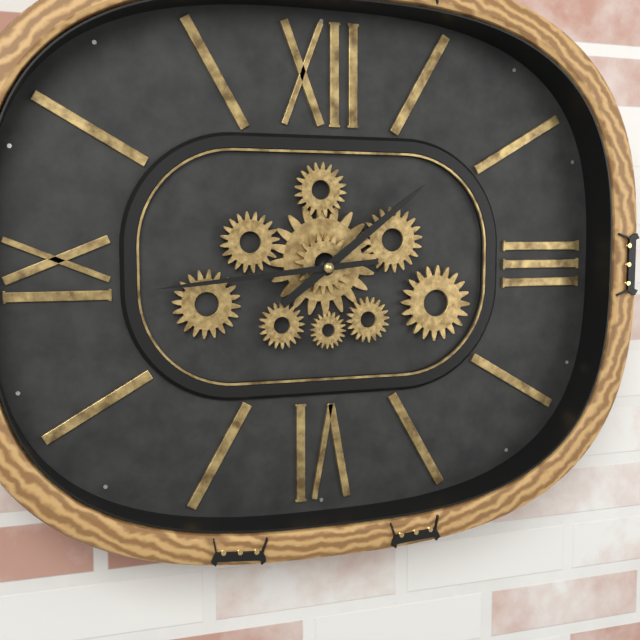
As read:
1.44
